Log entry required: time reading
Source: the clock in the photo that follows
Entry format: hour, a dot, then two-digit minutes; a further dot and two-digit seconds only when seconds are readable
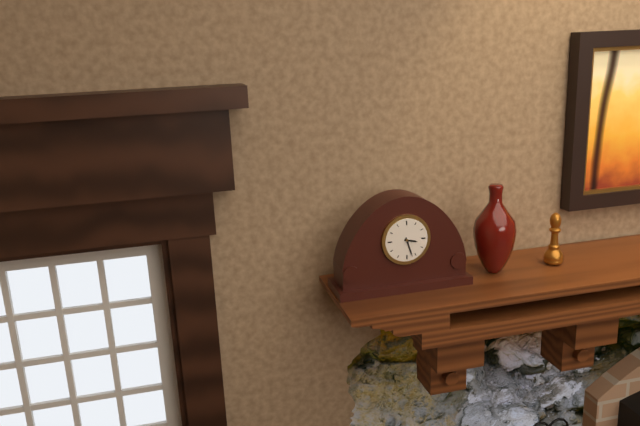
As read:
3.27
